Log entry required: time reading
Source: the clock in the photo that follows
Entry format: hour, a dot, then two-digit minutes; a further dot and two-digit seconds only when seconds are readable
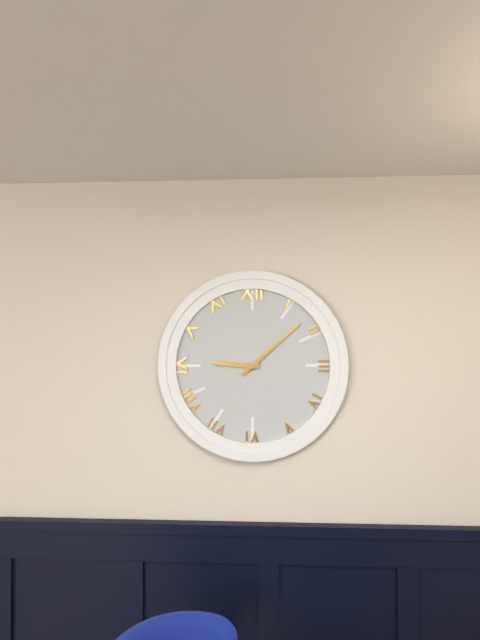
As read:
9.08
